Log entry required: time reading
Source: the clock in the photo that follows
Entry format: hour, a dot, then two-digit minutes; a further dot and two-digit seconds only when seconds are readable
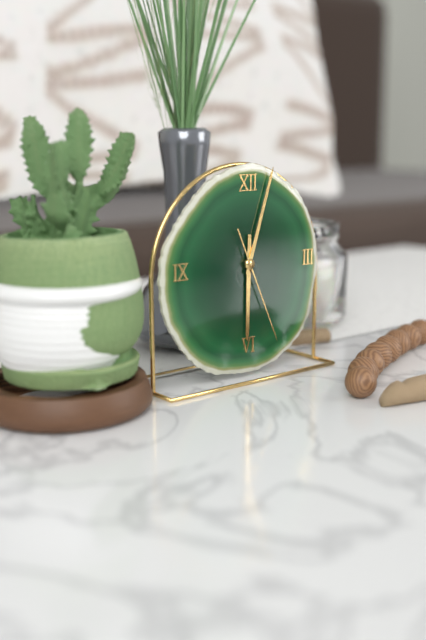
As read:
6.03.26
